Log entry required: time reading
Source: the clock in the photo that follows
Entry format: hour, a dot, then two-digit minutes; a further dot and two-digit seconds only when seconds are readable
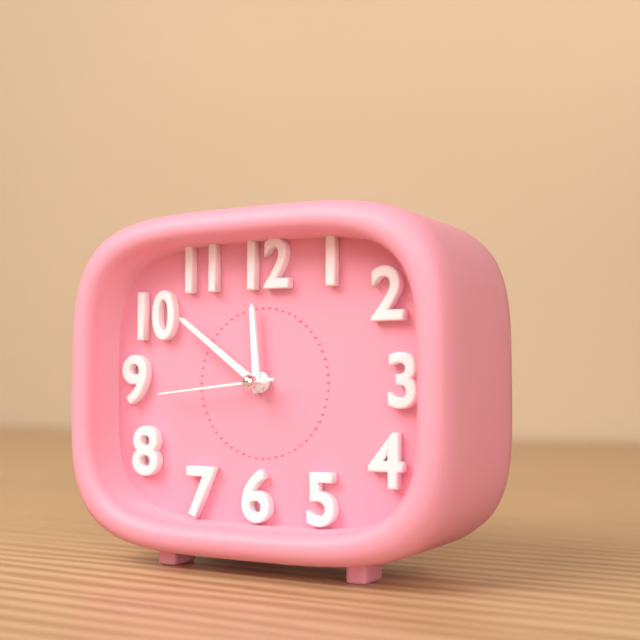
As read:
11.51.44
